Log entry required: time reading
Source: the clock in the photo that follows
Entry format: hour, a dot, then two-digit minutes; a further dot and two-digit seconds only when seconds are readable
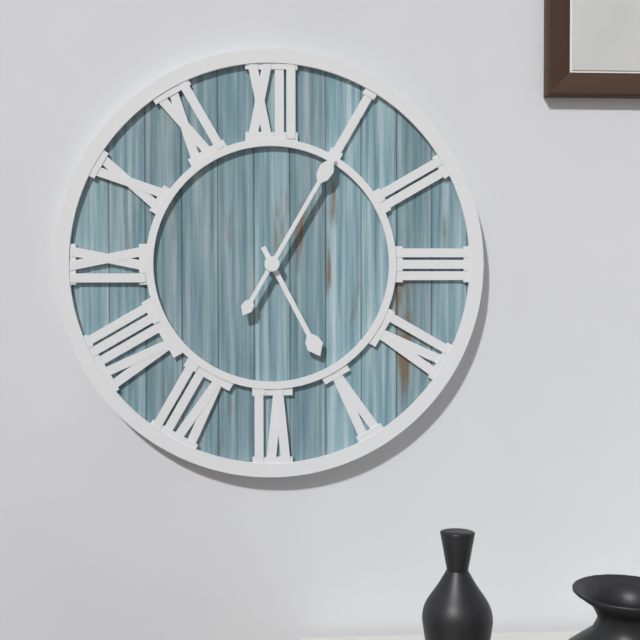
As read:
5.05
